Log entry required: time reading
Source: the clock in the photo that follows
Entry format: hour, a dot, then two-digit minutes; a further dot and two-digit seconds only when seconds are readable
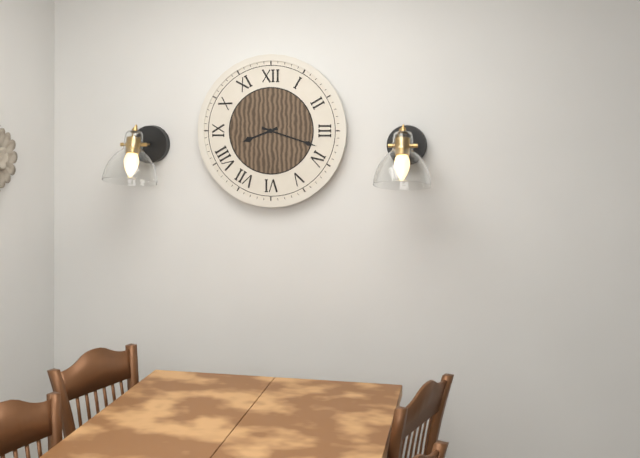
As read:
8.18
